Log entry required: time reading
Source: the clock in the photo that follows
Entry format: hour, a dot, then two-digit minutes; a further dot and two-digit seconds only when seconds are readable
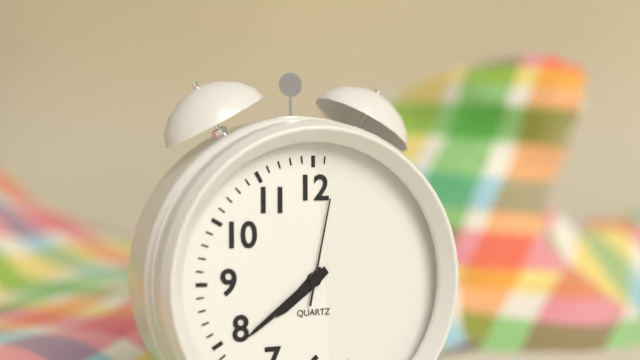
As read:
7.39.02
